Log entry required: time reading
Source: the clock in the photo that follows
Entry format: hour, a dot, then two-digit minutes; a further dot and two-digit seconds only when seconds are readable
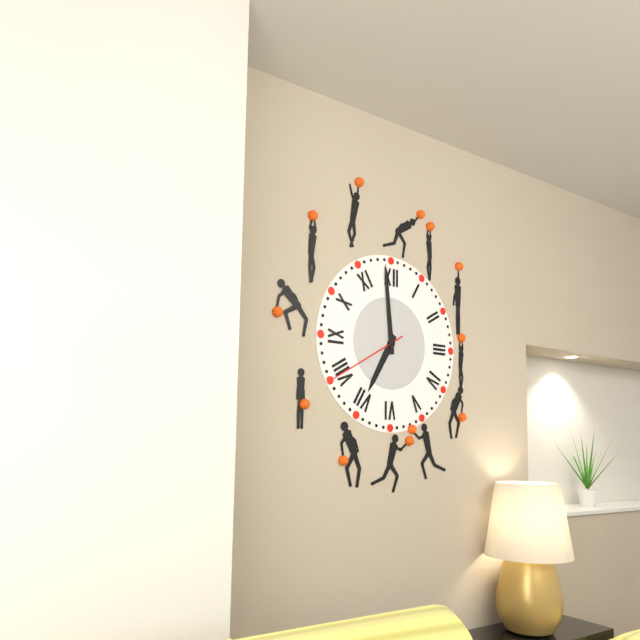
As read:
6.59.40
